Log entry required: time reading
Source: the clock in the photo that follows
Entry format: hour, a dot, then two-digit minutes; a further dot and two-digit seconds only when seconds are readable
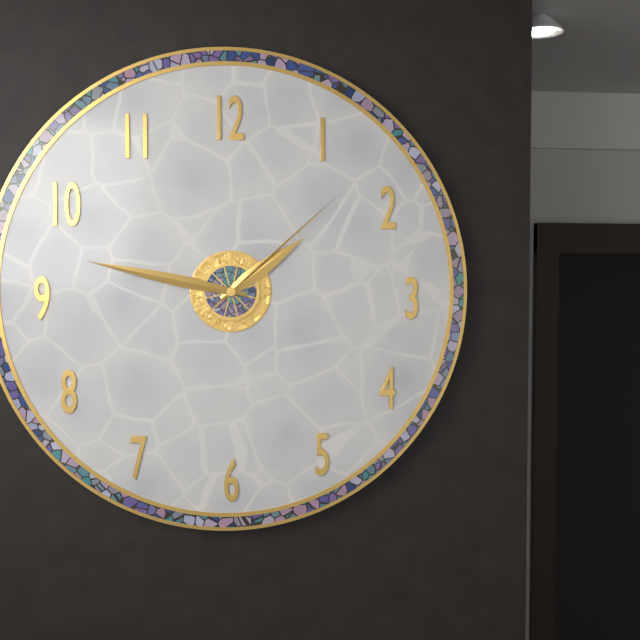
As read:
1.47.08
